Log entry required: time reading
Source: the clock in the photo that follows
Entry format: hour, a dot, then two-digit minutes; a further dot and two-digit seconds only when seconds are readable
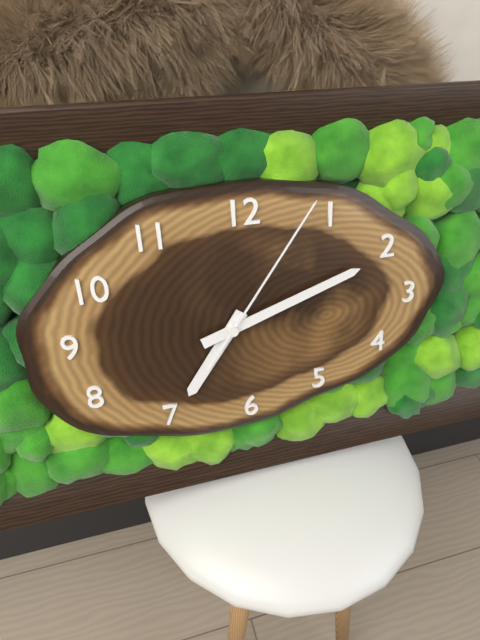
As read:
7.12.06
